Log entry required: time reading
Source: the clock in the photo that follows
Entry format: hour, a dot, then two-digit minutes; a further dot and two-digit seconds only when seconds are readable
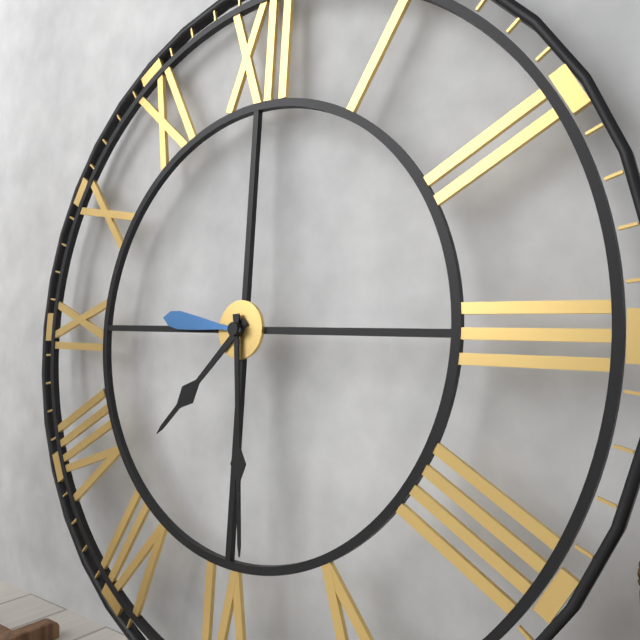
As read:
7.29.46
